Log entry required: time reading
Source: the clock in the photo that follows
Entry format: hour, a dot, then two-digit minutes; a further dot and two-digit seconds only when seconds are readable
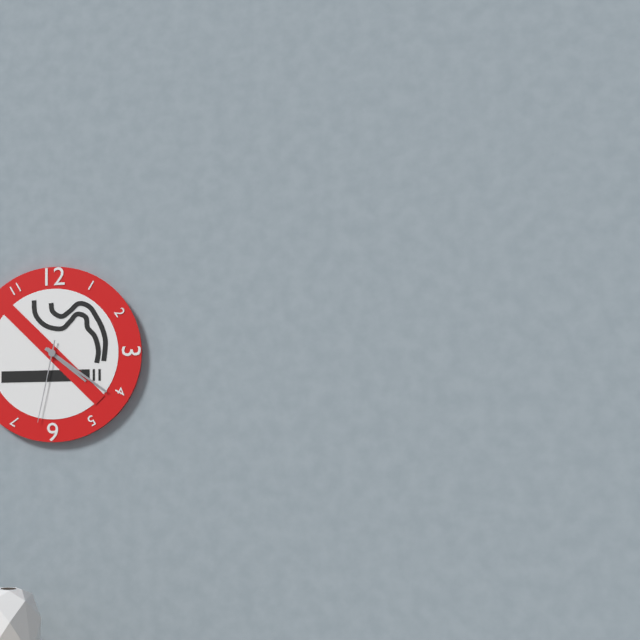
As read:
4.21.32
